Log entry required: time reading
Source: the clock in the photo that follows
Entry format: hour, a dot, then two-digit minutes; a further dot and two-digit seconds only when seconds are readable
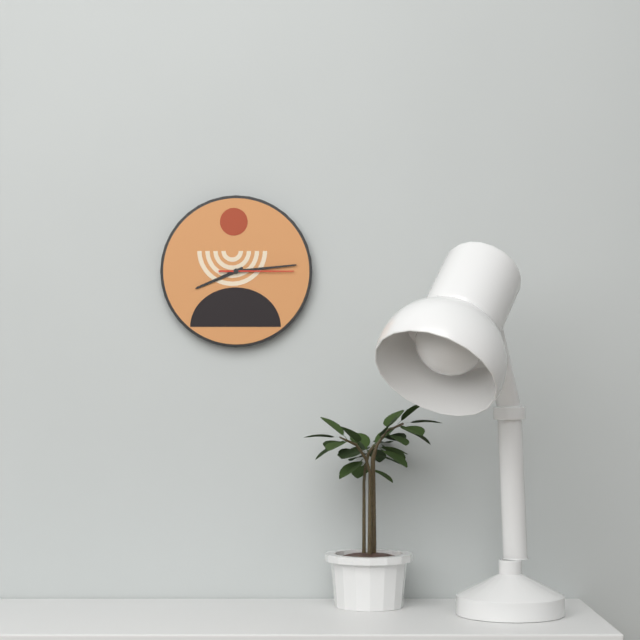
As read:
8.14.15
